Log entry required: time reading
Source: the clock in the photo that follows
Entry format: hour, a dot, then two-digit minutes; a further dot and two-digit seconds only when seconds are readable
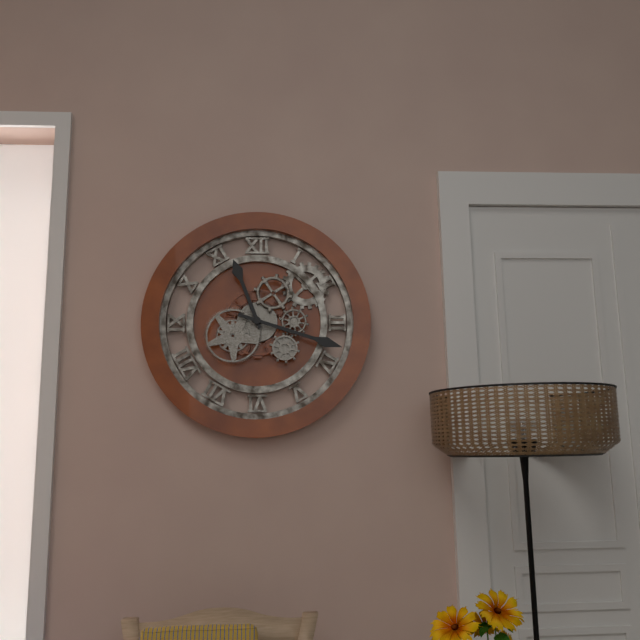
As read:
11.18
